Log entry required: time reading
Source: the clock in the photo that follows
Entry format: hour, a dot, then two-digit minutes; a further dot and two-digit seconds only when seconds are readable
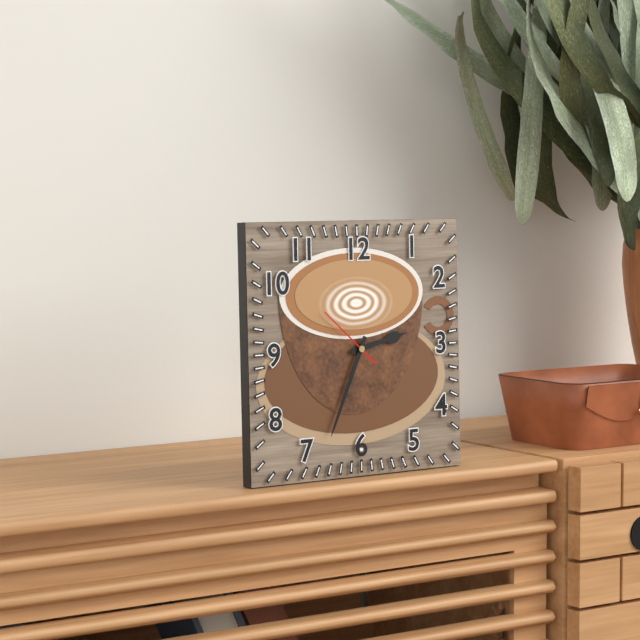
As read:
2.34.52
